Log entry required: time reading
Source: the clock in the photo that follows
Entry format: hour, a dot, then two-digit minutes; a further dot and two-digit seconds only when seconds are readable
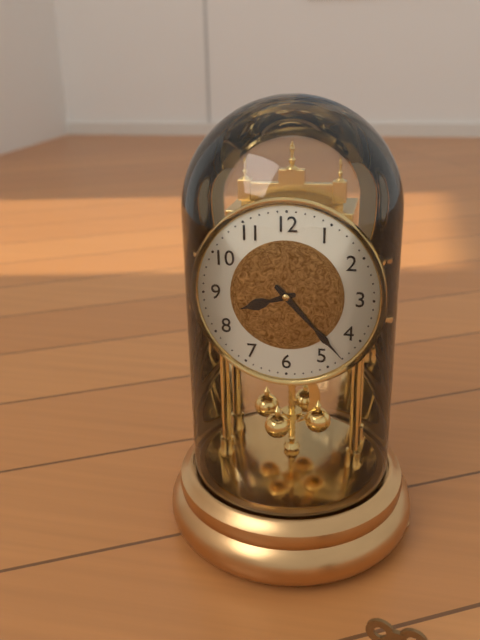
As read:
8.23
